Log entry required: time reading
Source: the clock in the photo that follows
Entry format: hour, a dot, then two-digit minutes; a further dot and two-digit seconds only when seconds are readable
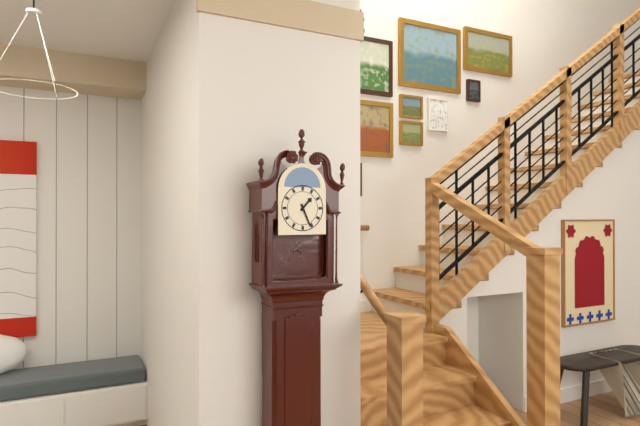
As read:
1.26
